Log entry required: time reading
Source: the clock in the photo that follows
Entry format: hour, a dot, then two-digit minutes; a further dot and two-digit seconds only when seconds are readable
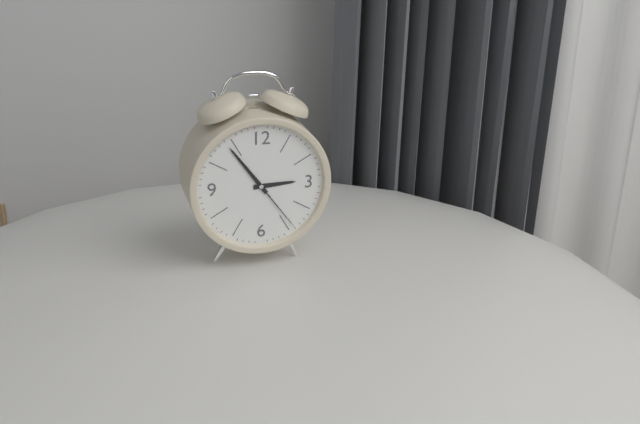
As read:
2.54.24
